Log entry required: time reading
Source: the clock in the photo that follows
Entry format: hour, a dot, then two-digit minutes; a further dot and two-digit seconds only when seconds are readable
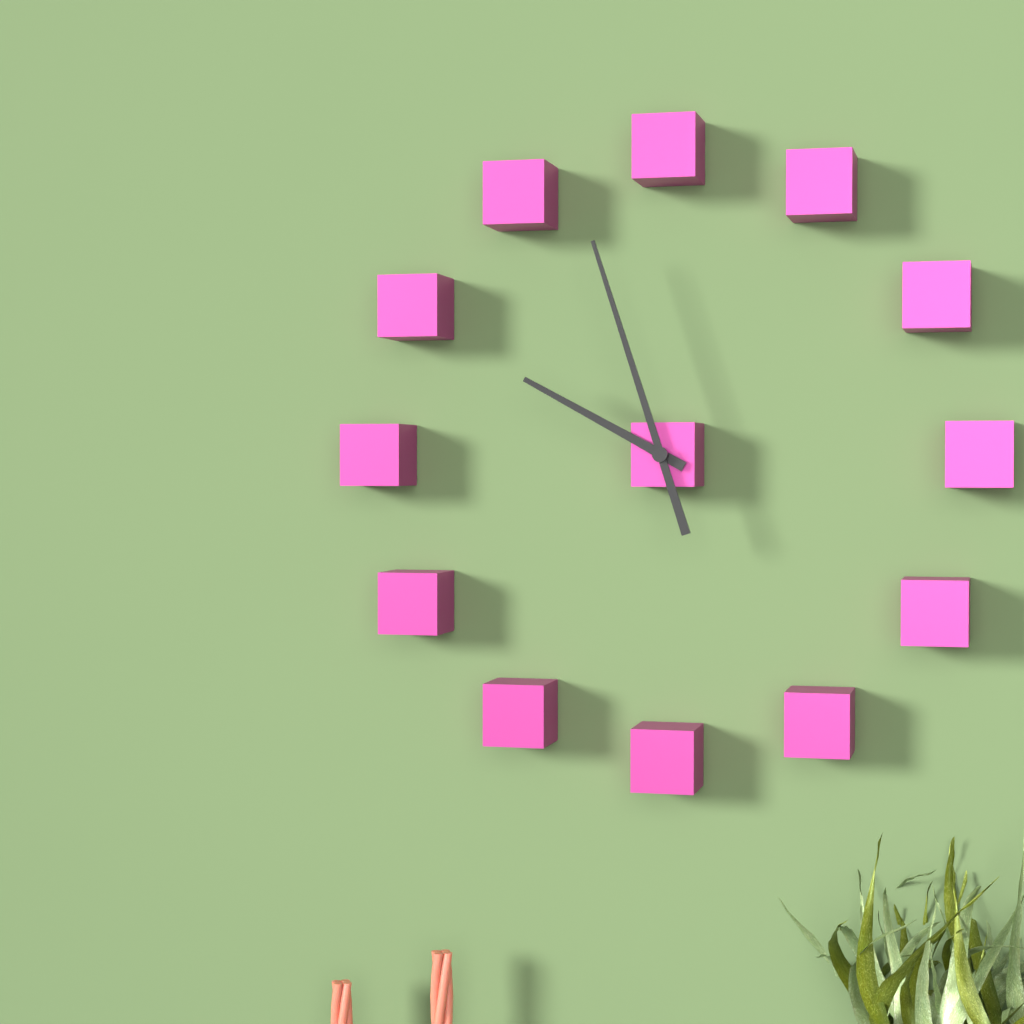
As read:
9.57
